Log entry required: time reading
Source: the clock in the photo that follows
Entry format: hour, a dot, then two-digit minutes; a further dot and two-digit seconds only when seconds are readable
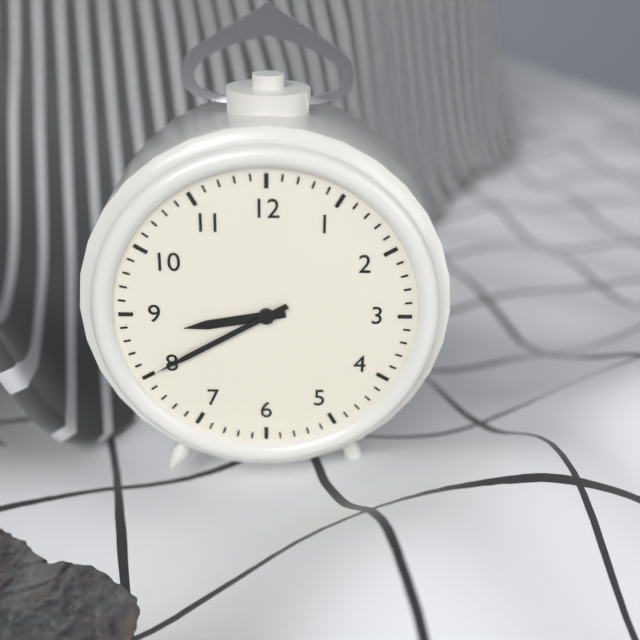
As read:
8.40
